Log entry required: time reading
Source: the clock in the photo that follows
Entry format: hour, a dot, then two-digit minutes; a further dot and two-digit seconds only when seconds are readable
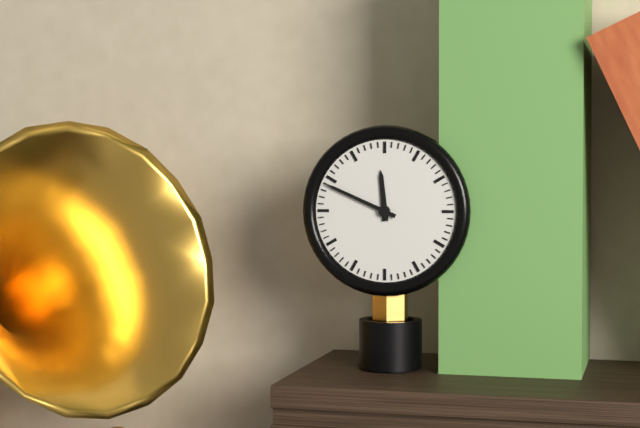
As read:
11.49
